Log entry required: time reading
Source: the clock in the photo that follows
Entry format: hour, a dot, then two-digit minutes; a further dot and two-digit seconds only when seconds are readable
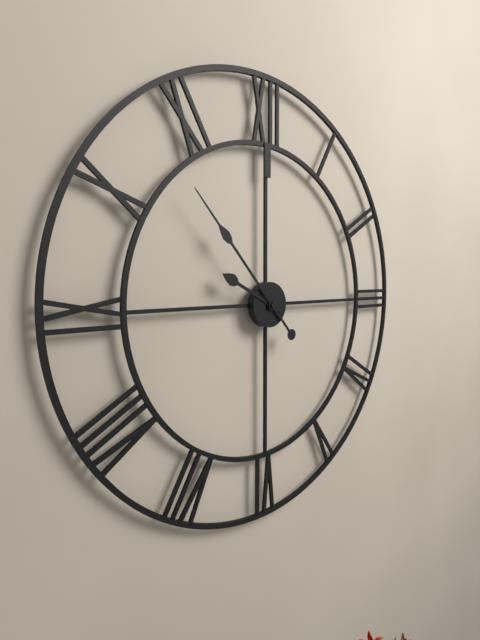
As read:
9.53
